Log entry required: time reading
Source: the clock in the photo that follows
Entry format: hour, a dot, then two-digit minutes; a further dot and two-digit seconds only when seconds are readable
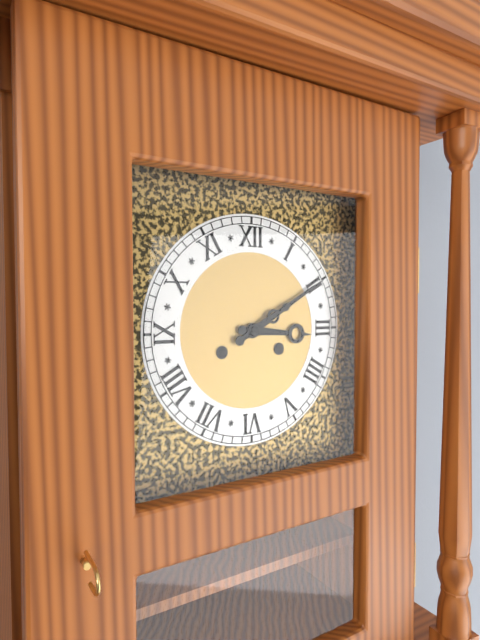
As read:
3.10
